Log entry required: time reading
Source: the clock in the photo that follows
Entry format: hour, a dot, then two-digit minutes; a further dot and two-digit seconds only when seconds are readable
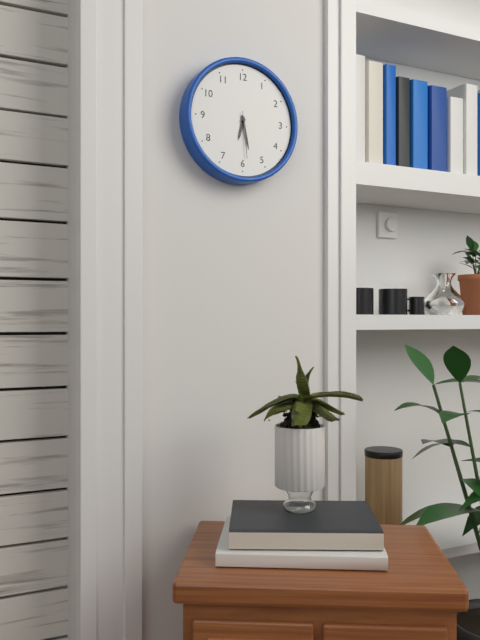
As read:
6.28
